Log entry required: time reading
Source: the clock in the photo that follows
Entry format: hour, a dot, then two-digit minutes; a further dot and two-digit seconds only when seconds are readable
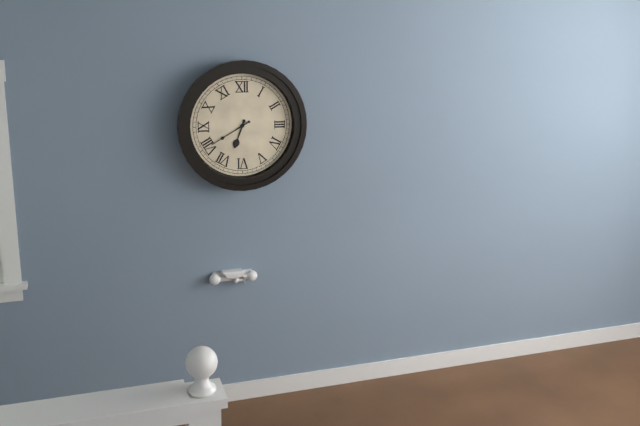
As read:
6.40
